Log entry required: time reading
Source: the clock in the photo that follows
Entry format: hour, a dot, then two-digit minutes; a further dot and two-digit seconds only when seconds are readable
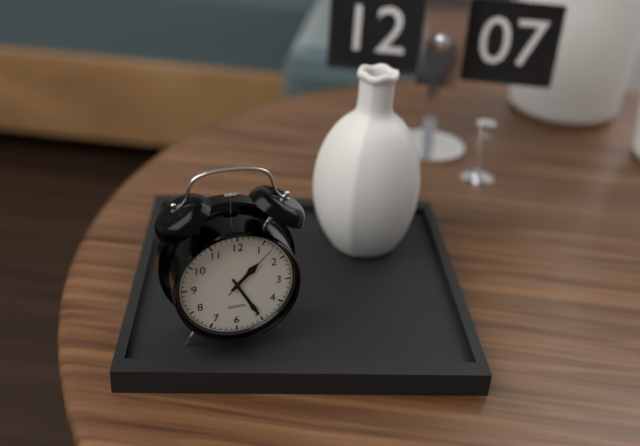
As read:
1.25.07
